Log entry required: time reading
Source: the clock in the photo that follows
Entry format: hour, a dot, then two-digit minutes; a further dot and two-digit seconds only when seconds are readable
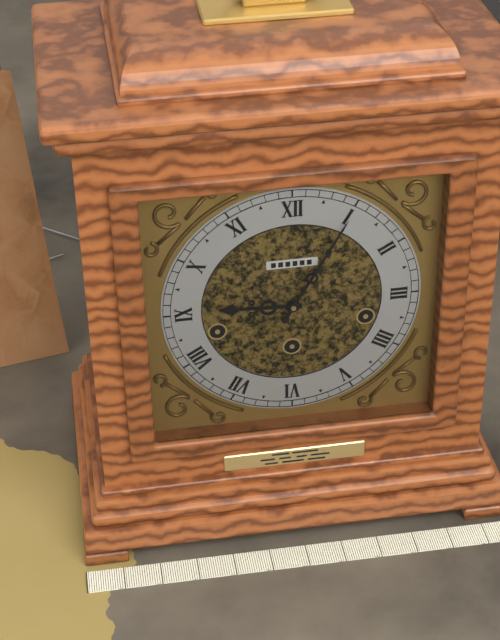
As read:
9.05
